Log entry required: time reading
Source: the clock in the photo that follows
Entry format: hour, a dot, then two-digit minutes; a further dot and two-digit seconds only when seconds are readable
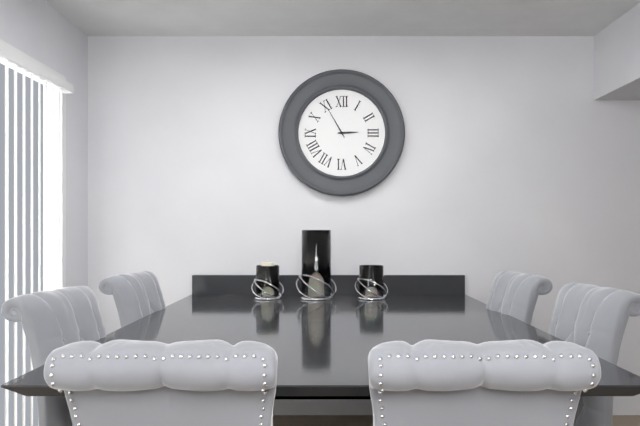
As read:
2.55
